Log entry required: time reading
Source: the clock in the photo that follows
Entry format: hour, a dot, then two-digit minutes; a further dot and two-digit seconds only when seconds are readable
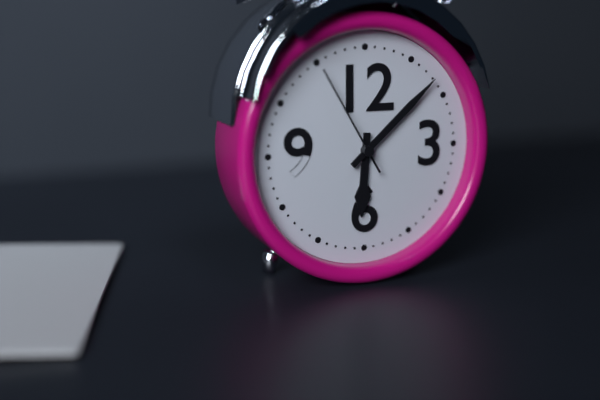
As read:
6.08.55
